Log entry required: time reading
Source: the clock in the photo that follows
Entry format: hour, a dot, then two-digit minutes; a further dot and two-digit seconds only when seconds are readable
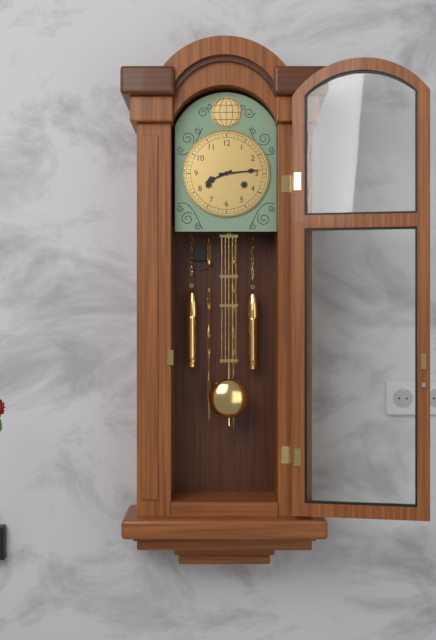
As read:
8.14
